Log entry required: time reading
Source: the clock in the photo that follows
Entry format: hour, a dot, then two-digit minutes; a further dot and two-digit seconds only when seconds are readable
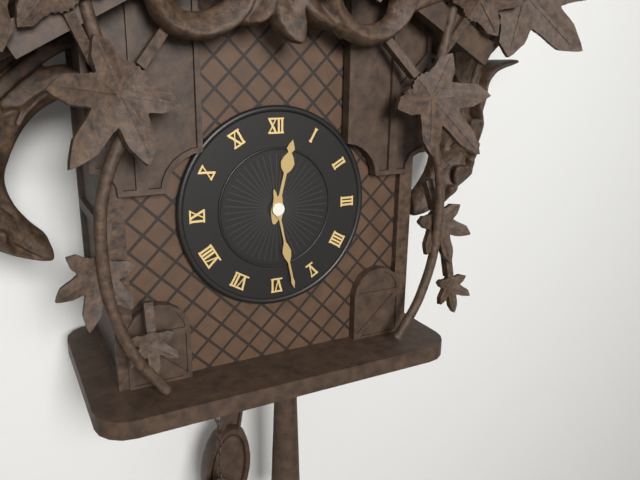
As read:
12.28
